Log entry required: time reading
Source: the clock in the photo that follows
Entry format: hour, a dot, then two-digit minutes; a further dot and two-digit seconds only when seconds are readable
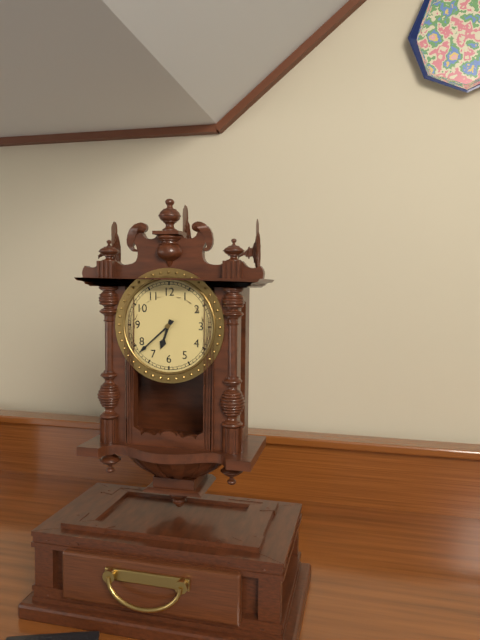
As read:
6.38
